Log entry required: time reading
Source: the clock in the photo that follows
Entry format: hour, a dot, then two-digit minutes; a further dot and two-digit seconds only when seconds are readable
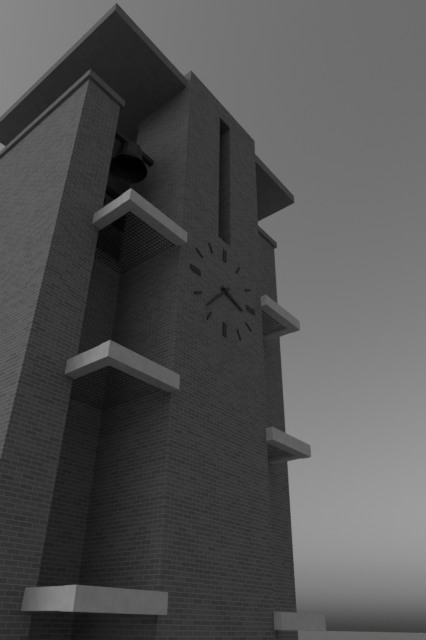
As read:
3.37
